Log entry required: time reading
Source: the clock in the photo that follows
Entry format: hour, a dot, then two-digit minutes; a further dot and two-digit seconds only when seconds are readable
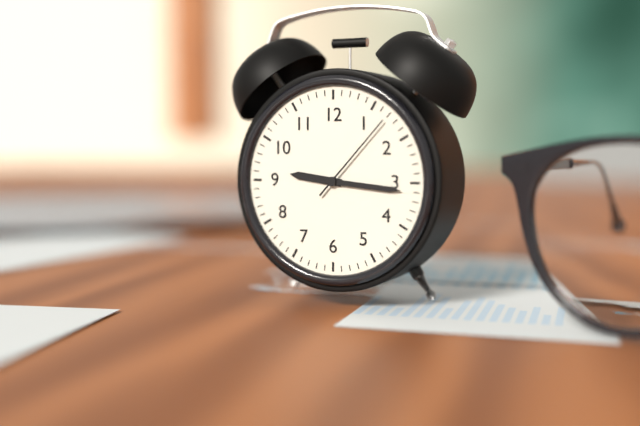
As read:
9.16.07
